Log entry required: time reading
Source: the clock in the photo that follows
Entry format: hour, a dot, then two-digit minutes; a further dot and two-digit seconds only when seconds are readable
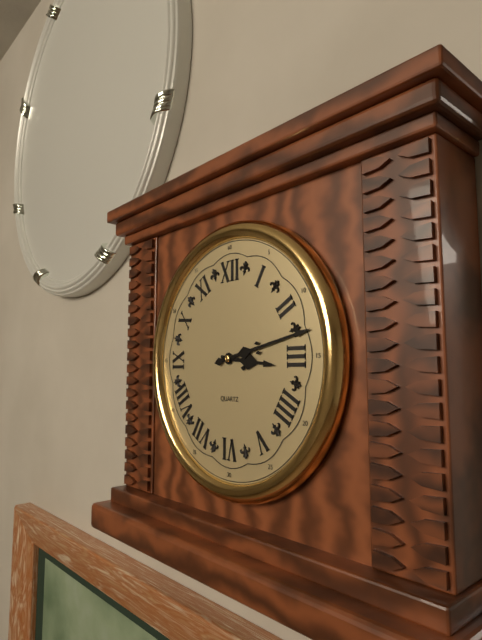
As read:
3.13
